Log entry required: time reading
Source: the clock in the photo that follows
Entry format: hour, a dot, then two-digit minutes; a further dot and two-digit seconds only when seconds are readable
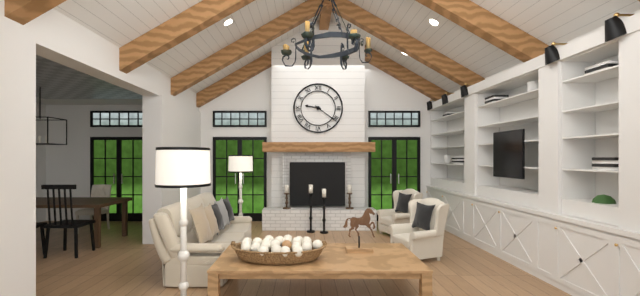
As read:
9.21
